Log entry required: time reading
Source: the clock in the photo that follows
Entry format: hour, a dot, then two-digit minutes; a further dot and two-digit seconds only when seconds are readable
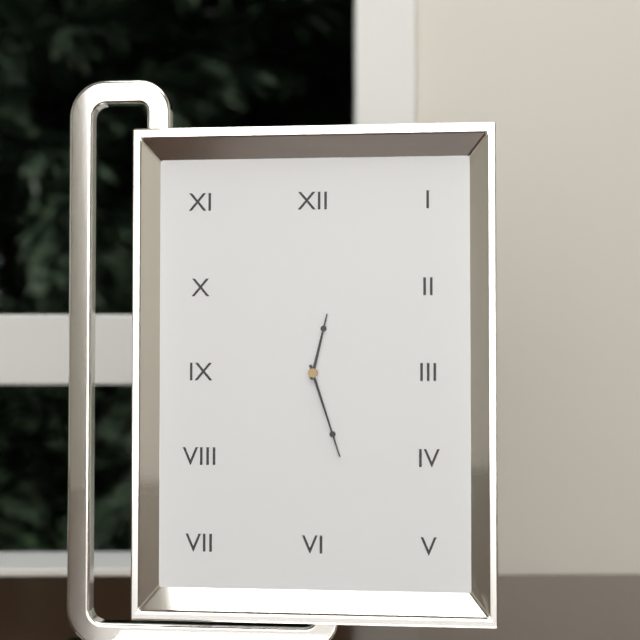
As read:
12.27
